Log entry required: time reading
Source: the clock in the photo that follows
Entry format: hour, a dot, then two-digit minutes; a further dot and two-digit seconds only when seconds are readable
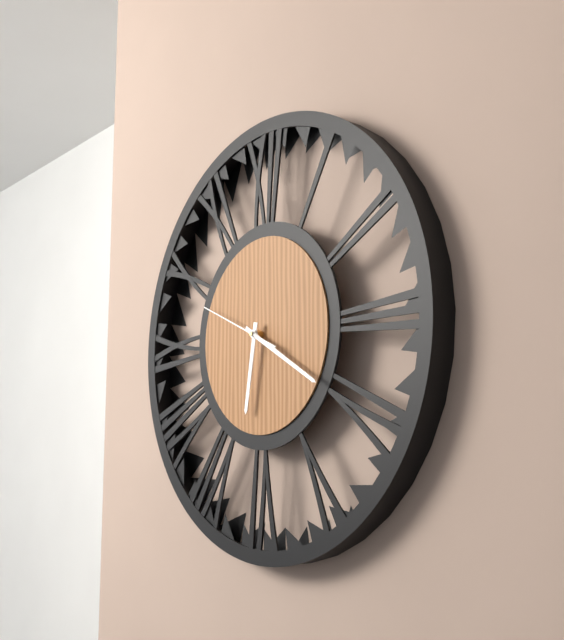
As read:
6.20.49
